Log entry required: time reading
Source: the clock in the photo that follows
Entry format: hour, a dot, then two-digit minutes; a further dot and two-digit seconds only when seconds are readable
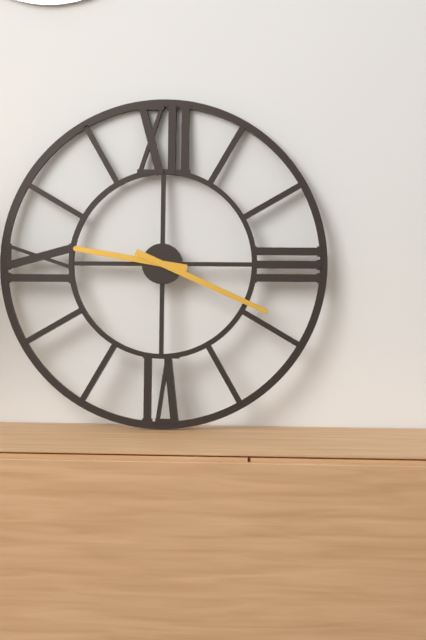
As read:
9.19
